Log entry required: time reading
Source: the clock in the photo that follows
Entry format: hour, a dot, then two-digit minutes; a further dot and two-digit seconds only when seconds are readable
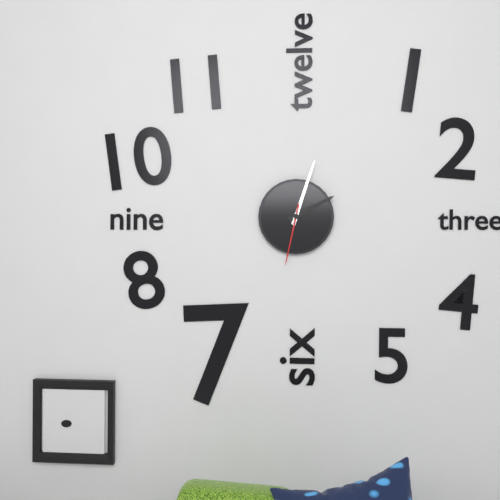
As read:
2.03.32
